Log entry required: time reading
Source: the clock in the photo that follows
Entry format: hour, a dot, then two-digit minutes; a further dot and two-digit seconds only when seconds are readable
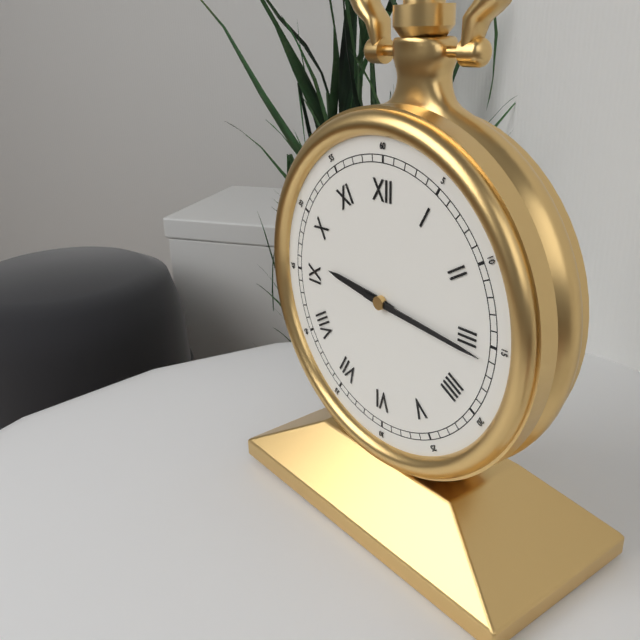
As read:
9.16
